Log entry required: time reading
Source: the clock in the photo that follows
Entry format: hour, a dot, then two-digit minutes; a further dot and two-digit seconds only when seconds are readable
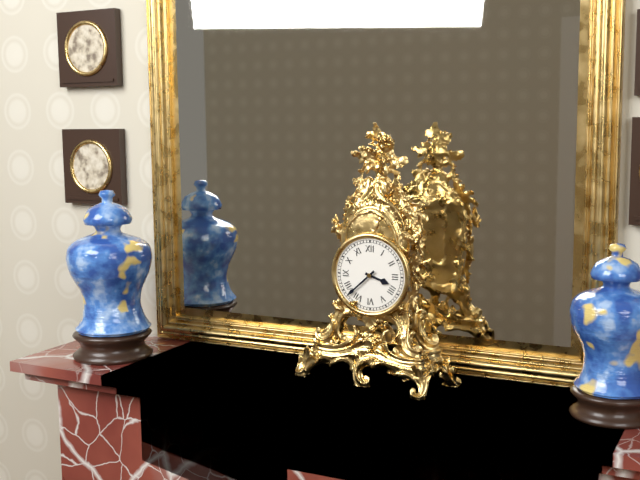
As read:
3.38
